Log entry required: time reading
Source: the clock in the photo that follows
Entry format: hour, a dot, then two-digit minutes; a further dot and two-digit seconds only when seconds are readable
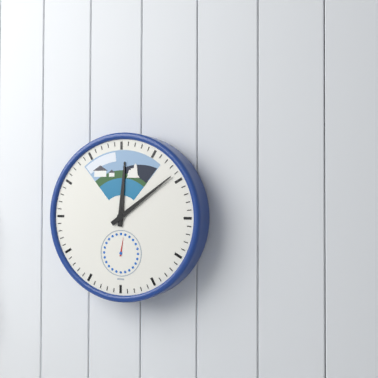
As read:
12.09
